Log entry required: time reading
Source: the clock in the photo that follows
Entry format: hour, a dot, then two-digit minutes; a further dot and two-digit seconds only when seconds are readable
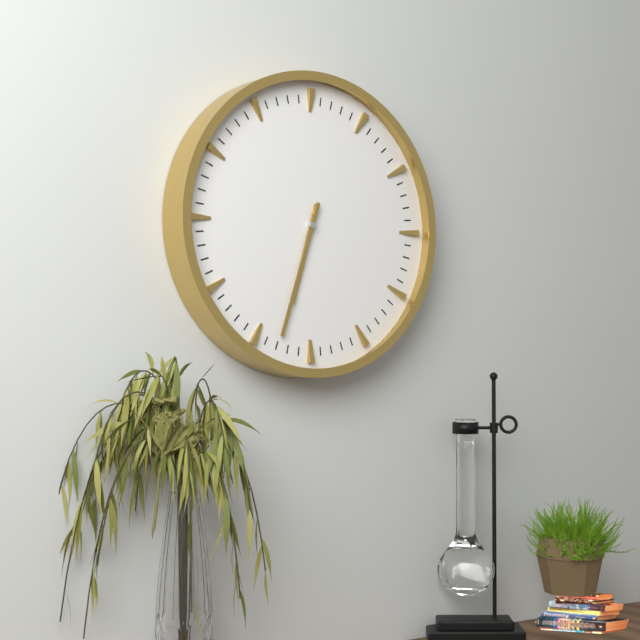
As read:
6.33
